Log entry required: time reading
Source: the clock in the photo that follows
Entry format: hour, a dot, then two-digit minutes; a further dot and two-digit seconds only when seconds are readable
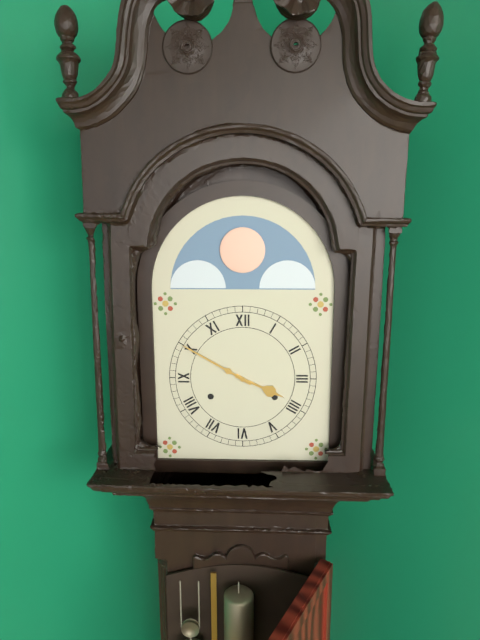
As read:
3.50
